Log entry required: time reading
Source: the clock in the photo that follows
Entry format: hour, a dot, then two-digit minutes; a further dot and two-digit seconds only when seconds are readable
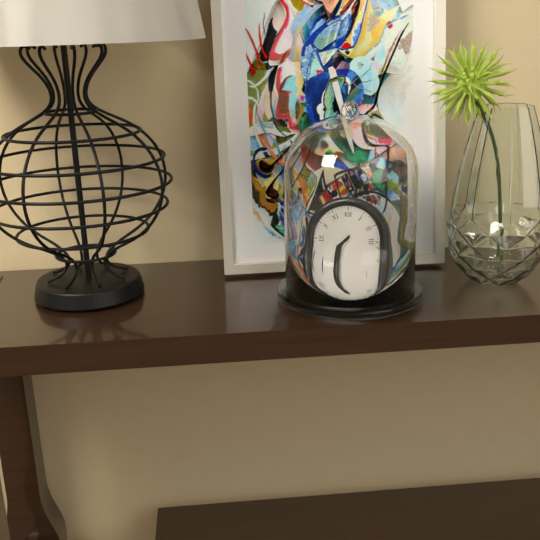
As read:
7.36
